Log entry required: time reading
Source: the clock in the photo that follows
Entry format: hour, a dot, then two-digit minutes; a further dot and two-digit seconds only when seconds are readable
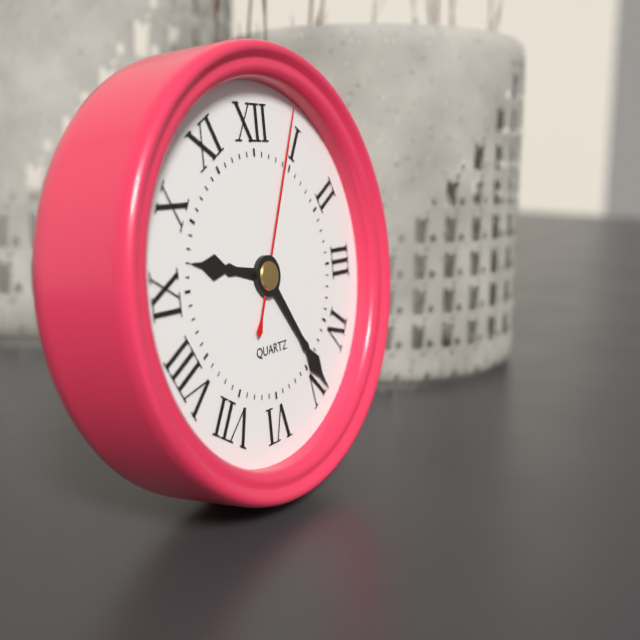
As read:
9.24.04
